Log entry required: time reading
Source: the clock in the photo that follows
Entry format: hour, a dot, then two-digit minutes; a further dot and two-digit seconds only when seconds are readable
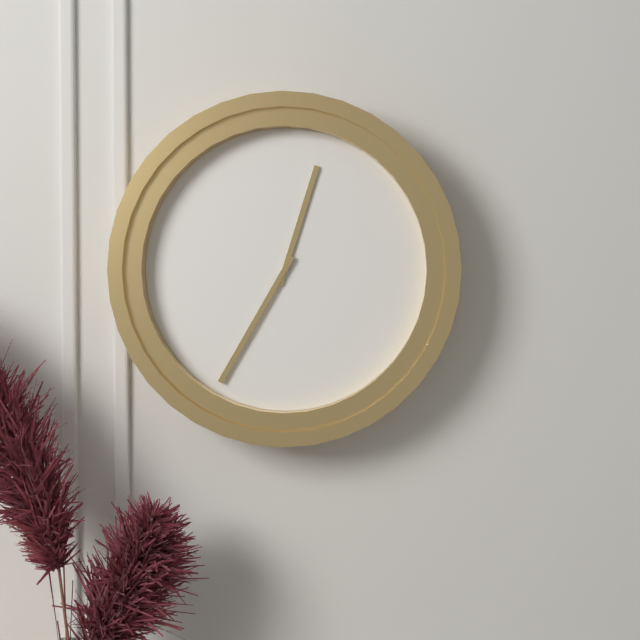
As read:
12.35
